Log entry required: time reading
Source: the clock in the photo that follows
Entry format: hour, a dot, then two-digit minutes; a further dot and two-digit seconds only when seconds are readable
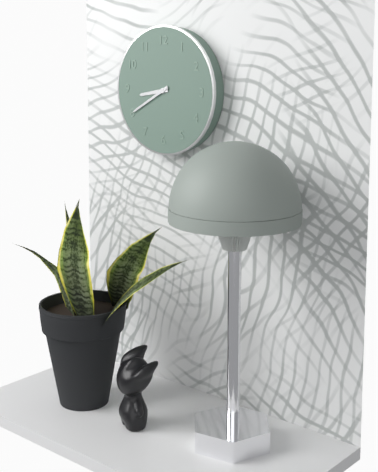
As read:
8.40
